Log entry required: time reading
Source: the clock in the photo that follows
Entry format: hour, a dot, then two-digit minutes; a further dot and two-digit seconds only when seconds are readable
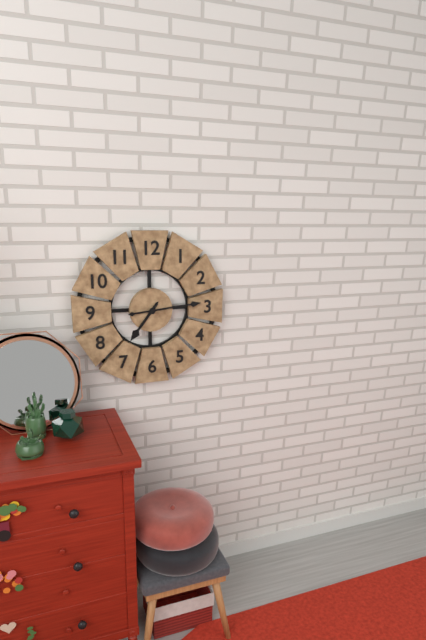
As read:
7.14
